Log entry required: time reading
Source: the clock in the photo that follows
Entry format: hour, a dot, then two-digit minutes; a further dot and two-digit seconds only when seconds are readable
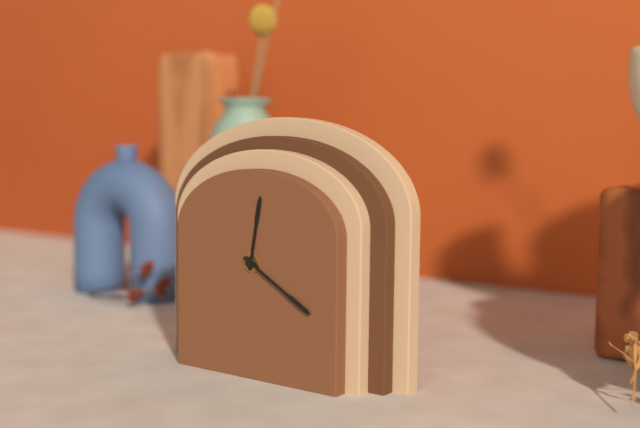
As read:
12.20
